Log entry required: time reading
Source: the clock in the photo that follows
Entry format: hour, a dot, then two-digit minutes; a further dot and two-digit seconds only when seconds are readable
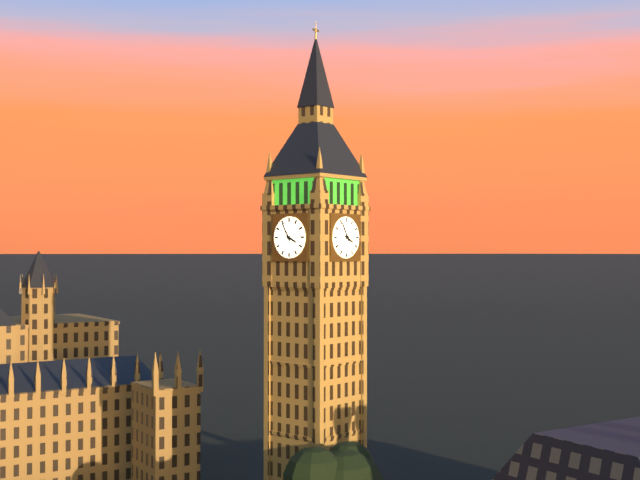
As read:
3.55
